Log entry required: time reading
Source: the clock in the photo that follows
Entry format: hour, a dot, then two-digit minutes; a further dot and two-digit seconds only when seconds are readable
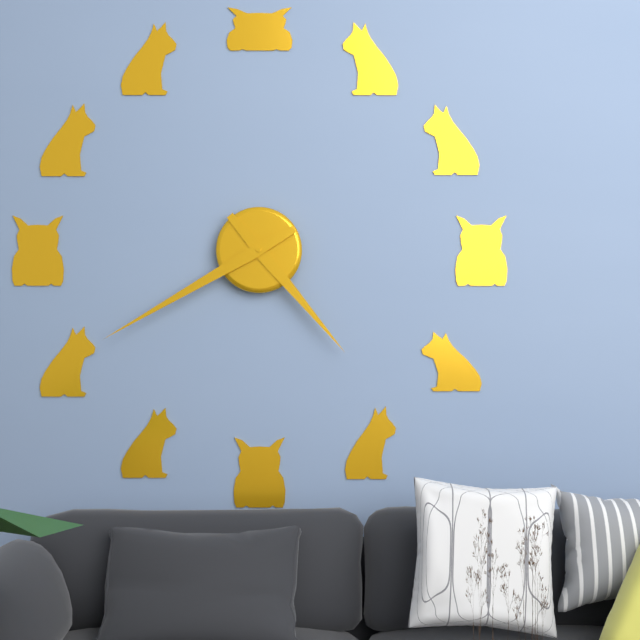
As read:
4.40
